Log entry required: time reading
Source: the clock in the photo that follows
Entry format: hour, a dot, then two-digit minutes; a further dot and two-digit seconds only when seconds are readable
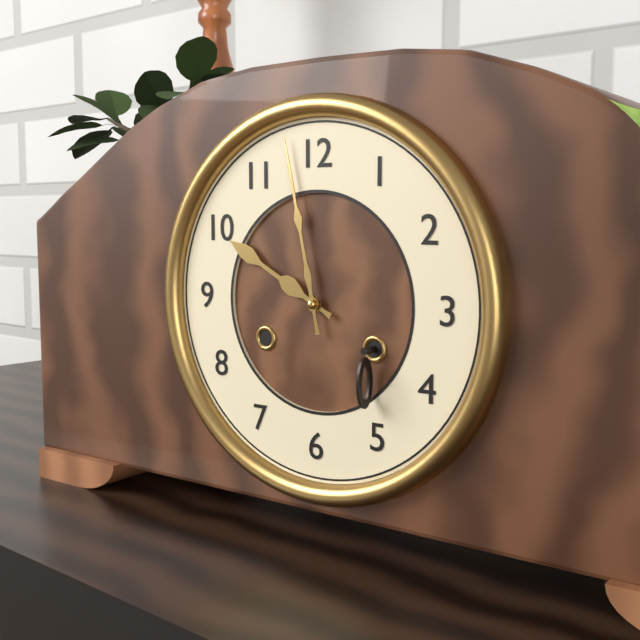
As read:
9.58
